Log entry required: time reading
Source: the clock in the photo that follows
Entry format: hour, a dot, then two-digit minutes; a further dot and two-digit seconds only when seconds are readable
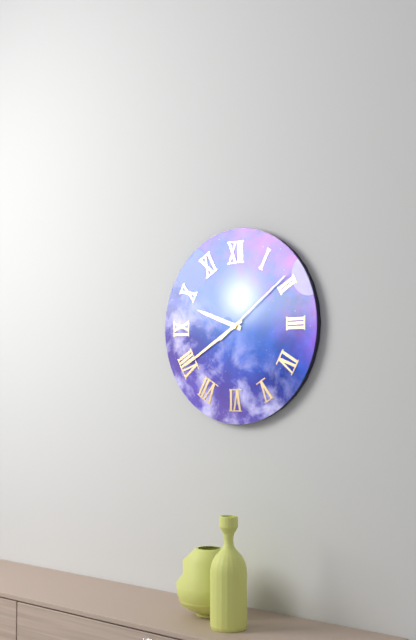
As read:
9.40.09
